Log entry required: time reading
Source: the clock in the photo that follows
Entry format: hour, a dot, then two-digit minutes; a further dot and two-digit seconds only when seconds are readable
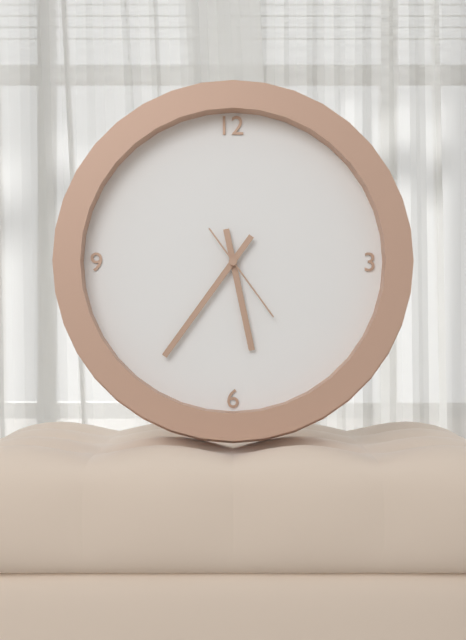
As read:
5.36.24
